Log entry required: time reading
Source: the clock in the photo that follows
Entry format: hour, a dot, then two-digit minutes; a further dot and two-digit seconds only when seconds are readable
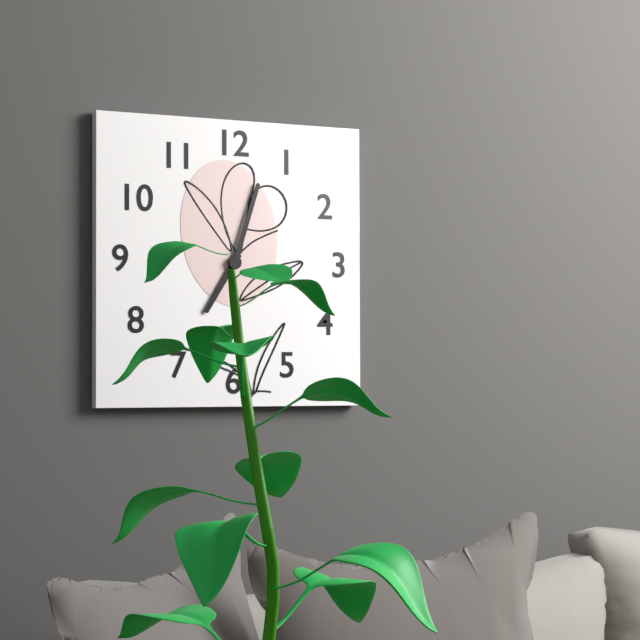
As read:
7.03
